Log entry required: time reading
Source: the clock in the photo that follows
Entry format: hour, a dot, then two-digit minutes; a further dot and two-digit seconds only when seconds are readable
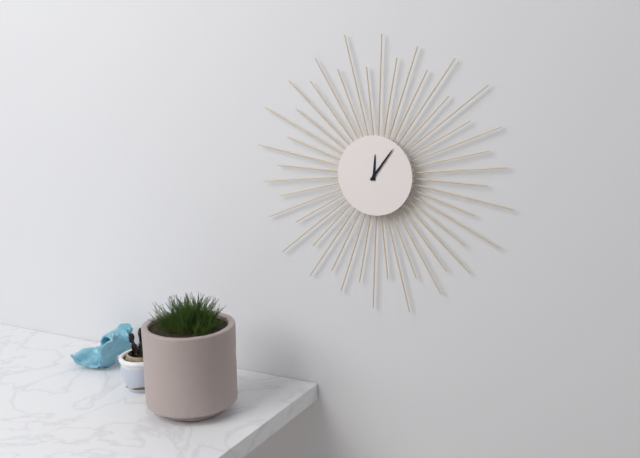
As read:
12.06
